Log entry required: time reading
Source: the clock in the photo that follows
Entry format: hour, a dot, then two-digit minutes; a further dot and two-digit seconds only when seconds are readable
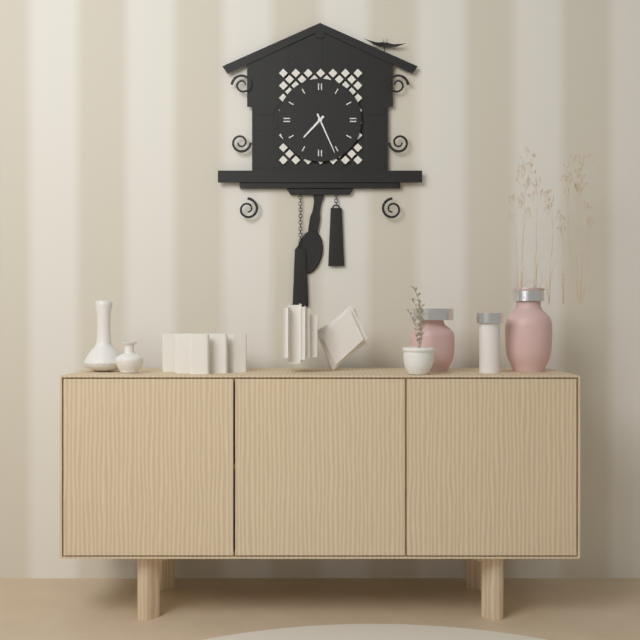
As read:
7.26
